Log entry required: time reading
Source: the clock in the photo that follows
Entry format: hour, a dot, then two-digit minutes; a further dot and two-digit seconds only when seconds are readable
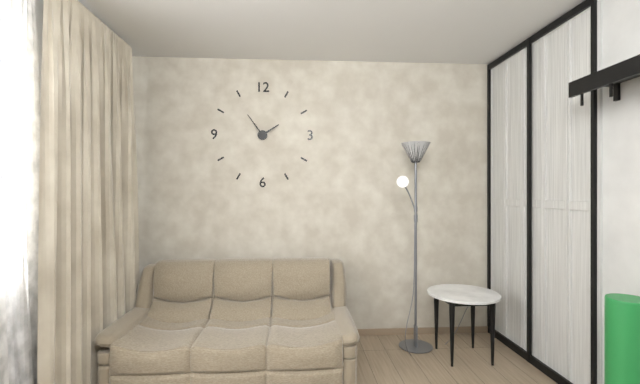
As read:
1.54
